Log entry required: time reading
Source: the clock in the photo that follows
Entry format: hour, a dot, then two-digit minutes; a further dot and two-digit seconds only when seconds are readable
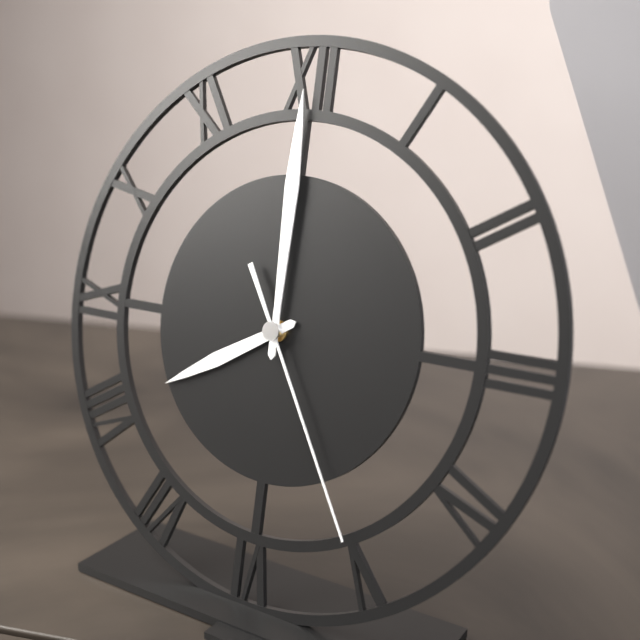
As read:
8.00.25
